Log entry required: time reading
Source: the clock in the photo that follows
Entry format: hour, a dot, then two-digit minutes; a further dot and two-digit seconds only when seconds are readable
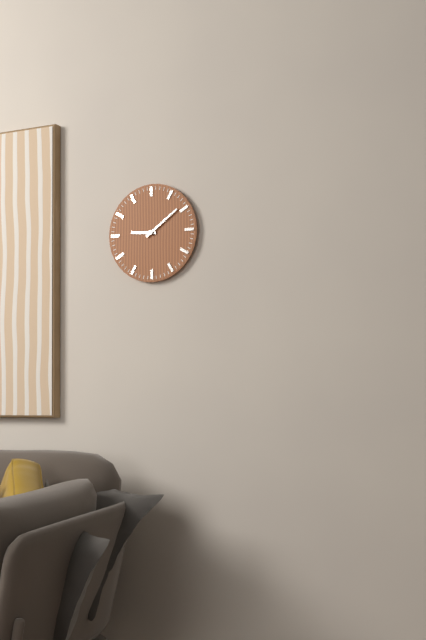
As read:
9.09
